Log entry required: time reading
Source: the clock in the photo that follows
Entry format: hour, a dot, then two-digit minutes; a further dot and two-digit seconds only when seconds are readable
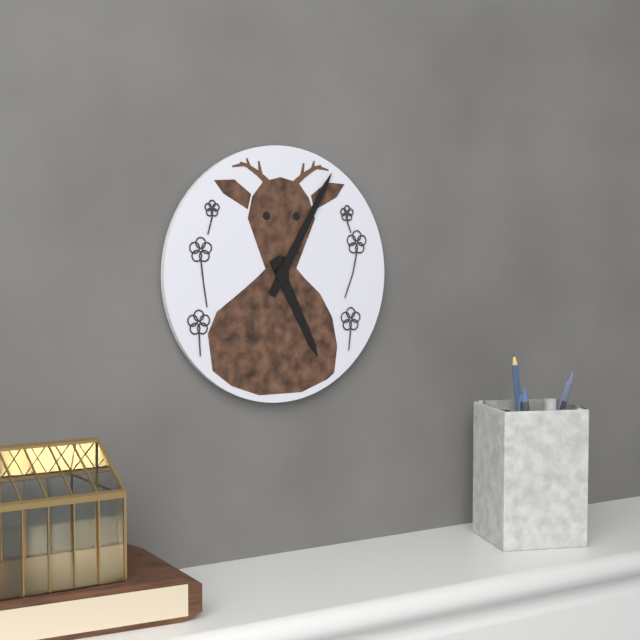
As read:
5.05
